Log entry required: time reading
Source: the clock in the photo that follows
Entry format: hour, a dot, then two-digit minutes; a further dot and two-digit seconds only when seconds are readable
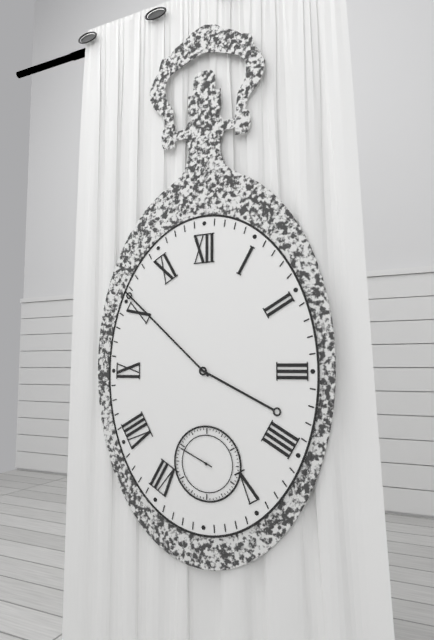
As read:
3.52
